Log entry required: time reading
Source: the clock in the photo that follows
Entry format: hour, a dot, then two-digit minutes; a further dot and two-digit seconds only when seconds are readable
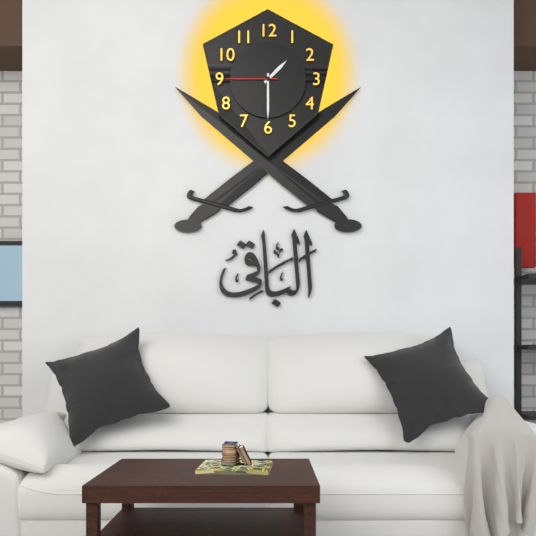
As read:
1.30.45
